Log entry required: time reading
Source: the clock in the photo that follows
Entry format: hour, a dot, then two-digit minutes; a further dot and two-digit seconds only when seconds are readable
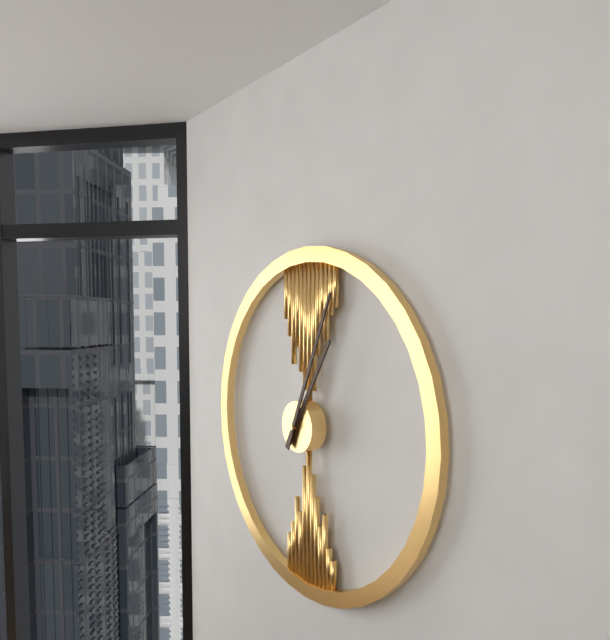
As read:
1.04
